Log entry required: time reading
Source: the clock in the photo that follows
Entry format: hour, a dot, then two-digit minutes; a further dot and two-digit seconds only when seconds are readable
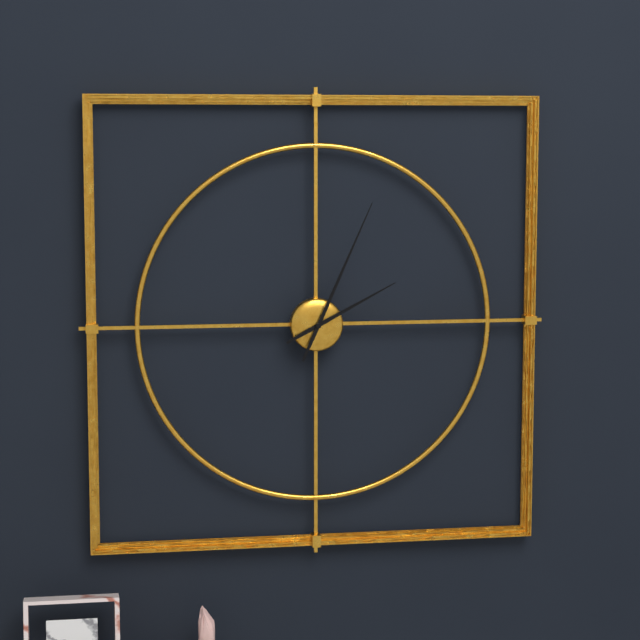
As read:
2.04
